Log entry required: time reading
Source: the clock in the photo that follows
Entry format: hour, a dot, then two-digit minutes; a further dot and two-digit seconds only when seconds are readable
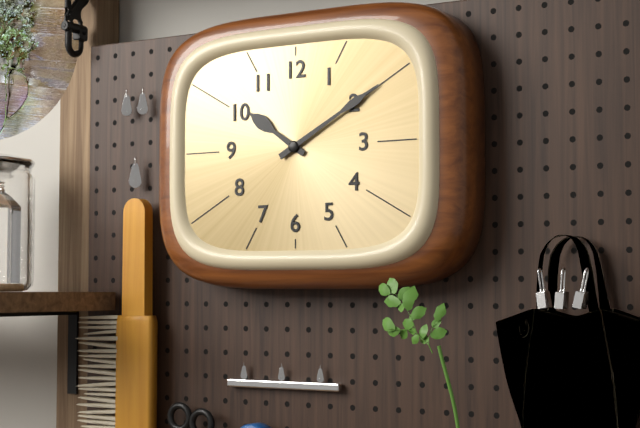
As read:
10.10
